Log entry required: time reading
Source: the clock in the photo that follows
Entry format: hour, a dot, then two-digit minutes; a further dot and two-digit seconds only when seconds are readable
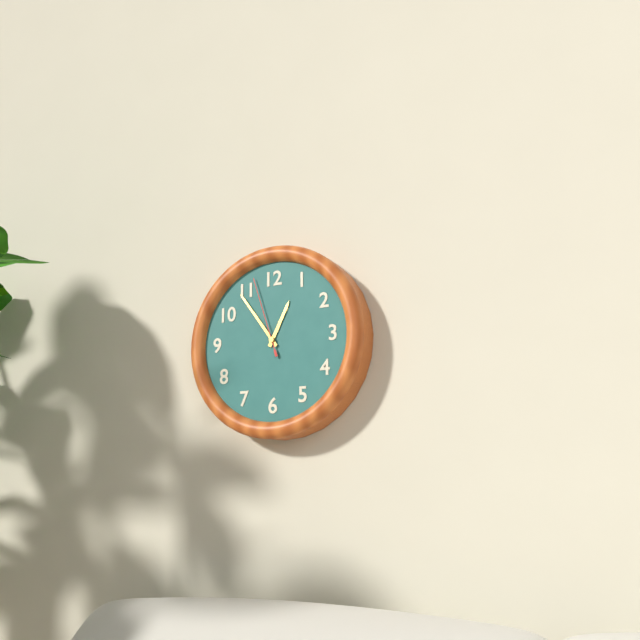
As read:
12.54.57
